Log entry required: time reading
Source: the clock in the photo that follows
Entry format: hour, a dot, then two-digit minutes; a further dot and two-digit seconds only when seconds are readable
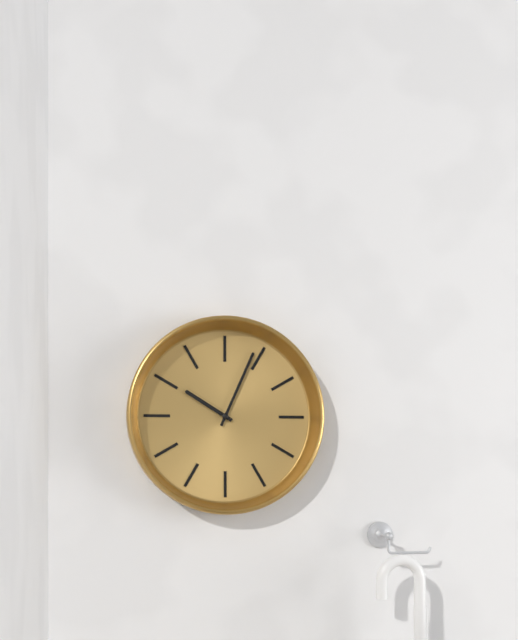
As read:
10.04
